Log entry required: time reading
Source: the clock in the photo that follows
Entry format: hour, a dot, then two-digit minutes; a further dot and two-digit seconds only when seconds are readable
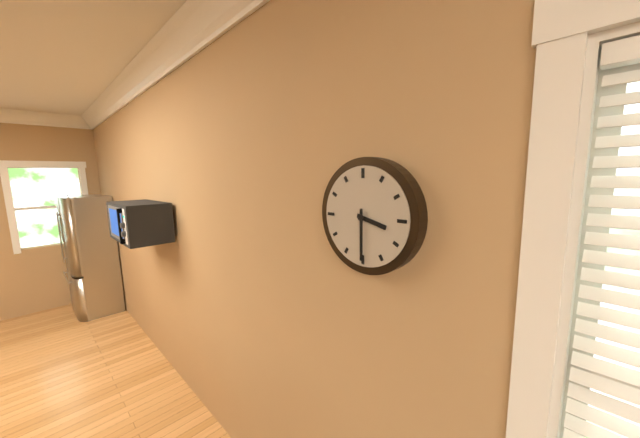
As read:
3.30
